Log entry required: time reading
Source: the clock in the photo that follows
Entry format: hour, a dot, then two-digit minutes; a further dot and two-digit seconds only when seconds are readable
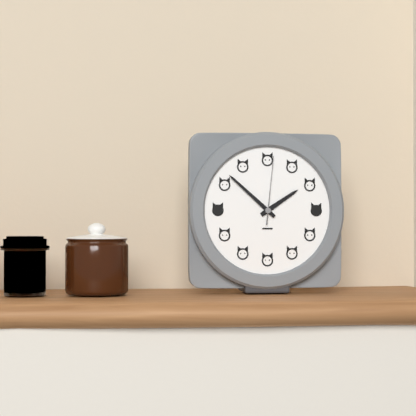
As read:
1.52.01
